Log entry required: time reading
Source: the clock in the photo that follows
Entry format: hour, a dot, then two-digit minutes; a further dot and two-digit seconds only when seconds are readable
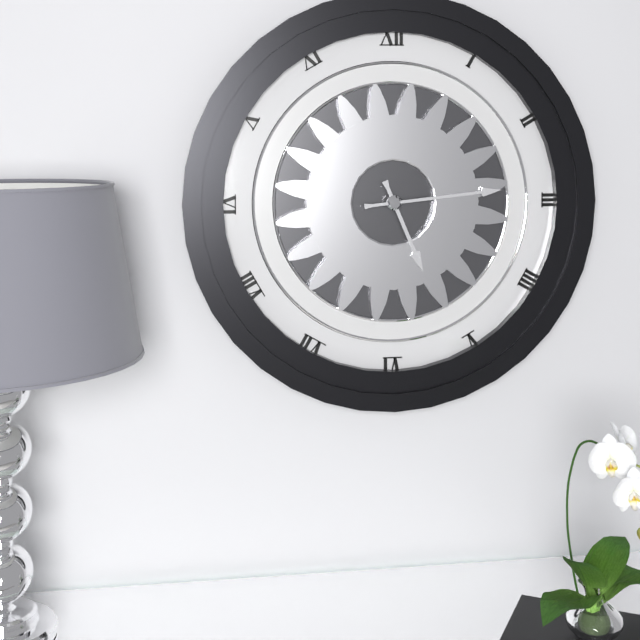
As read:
5.14
